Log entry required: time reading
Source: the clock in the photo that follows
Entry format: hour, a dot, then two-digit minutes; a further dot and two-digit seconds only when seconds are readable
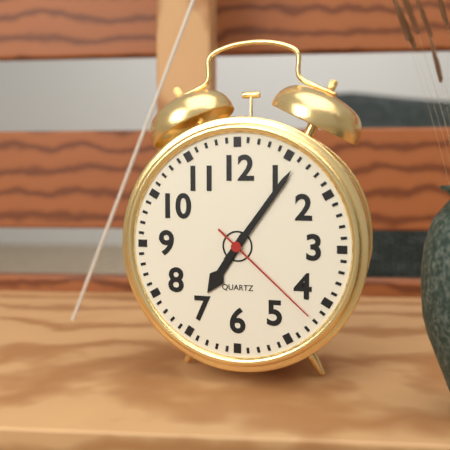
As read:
7.06.22
